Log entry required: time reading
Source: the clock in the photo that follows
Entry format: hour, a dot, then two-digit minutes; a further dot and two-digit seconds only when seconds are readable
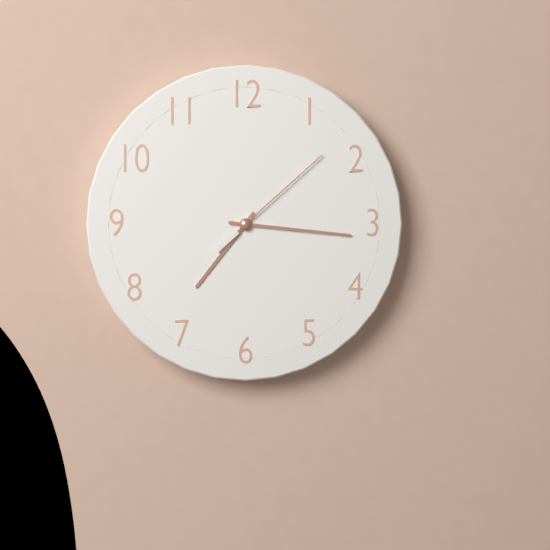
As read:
7.16.08
